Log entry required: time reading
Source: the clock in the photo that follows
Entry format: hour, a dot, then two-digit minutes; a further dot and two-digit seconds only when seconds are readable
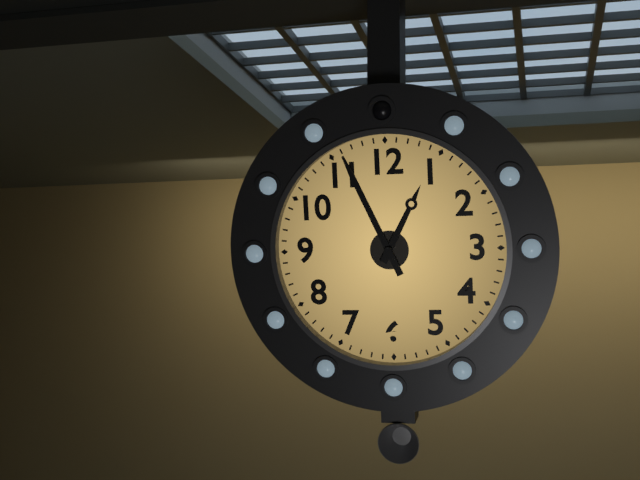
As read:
12.56
